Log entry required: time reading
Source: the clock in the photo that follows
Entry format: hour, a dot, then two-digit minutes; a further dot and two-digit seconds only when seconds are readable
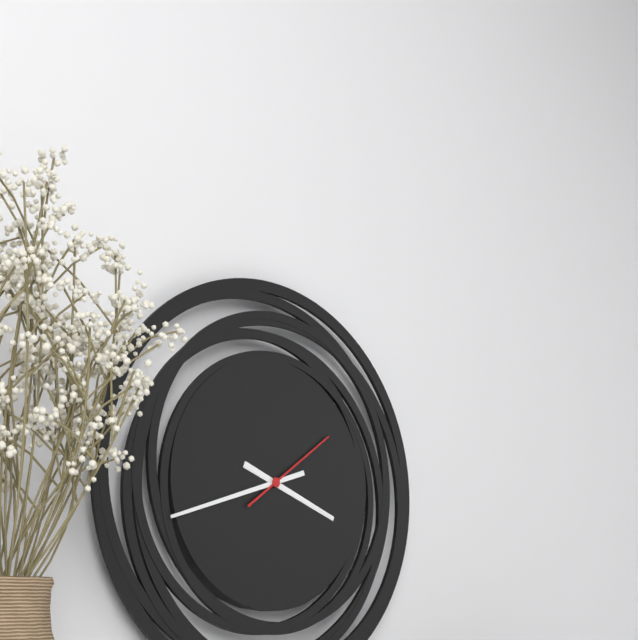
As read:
3.42.09
